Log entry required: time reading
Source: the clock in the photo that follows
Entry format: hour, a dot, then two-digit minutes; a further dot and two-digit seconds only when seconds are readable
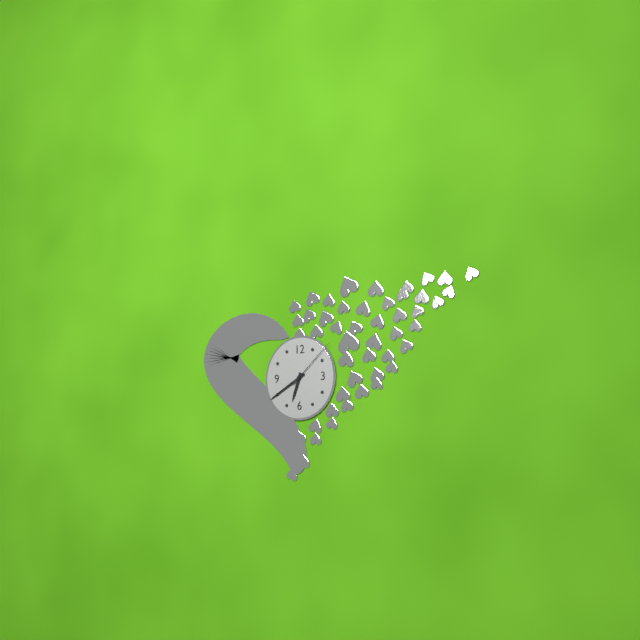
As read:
6.40.08
